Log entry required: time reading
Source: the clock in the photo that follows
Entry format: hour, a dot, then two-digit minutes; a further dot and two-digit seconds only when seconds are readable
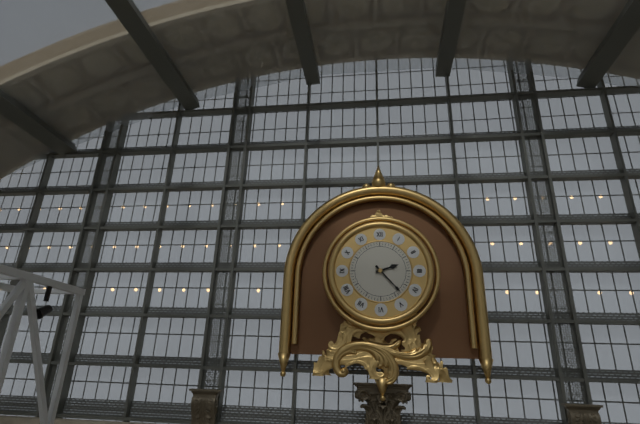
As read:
2.23
